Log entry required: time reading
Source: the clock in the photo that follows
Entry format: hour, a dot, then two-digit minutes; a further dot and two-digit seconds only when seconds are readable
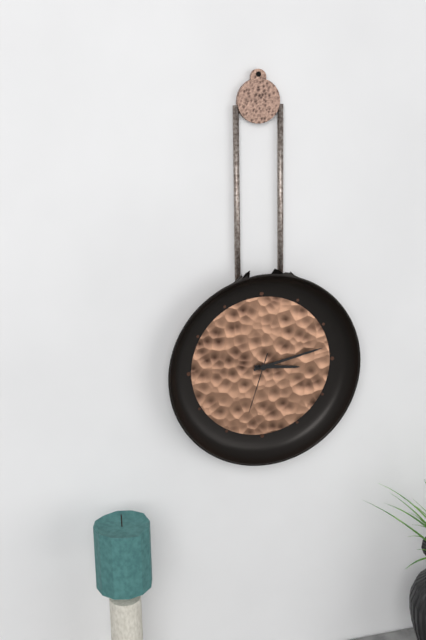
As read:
3.13.33
